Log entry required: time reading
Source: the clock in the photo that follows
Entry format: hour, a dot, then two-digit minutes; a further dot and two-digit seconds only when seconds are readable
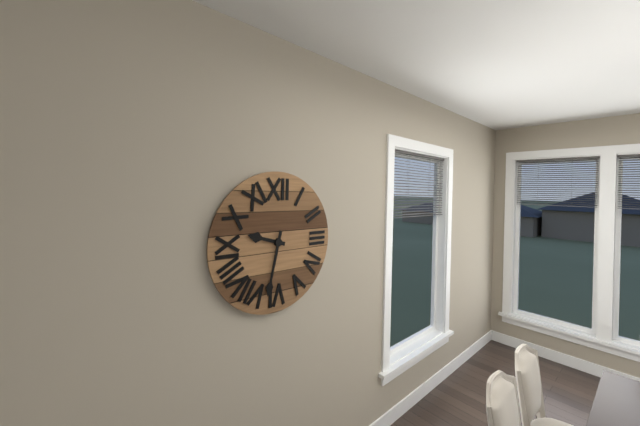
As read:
9.32
